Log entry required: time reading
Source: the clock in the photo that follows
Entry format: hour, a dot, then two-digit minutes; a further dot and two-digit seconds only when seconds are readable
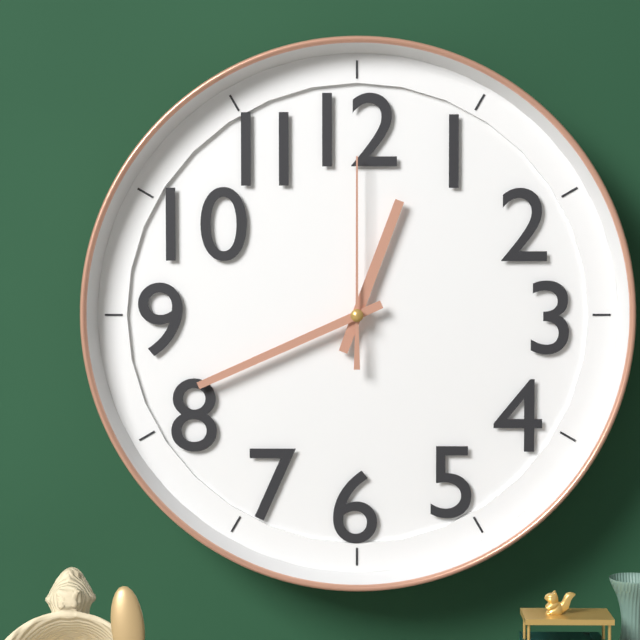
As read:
12.41.00
